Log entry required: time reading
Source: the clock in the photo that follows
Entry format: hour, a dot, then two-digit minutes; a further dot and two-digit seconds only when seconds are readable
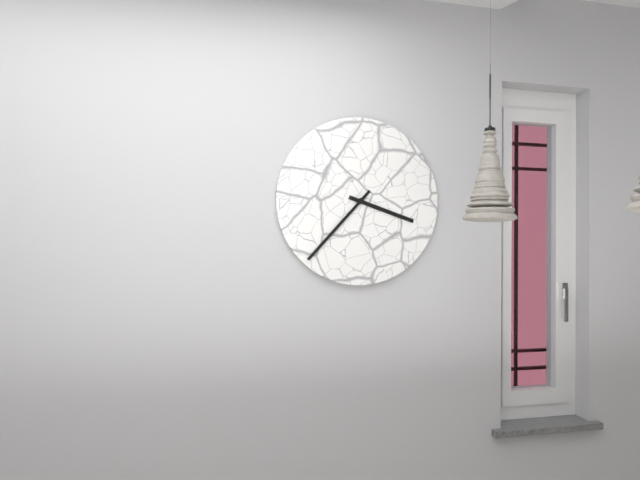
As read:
3.37
